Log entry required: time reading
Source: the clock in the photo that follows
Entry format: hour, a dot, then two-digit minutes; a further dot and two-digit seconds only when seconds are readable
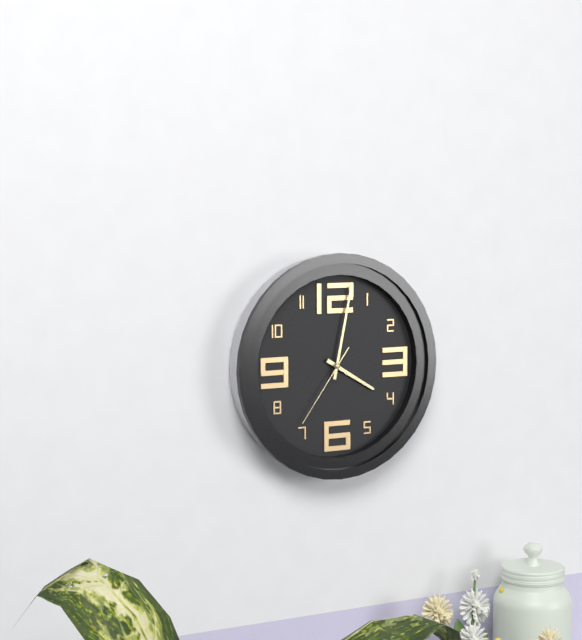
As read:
4.02.36
